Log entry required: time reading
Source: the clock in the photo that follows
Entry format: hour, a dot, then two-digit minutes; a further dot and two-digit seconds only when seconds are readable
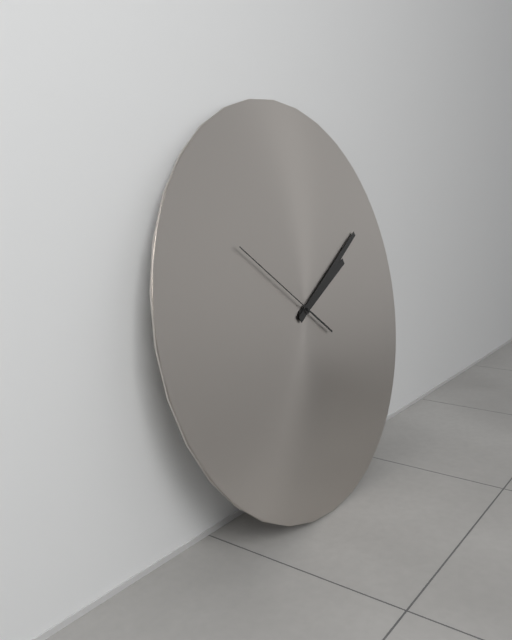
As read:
2.10.51
